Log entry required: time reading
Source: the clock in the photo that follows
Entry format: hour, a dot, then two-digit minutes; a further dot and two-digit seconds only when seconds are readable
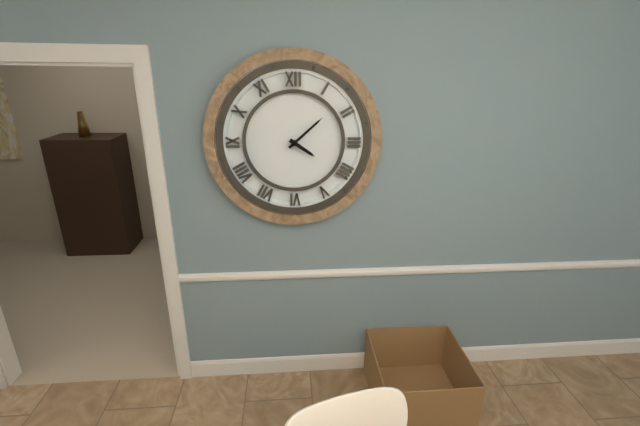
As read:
4.08
